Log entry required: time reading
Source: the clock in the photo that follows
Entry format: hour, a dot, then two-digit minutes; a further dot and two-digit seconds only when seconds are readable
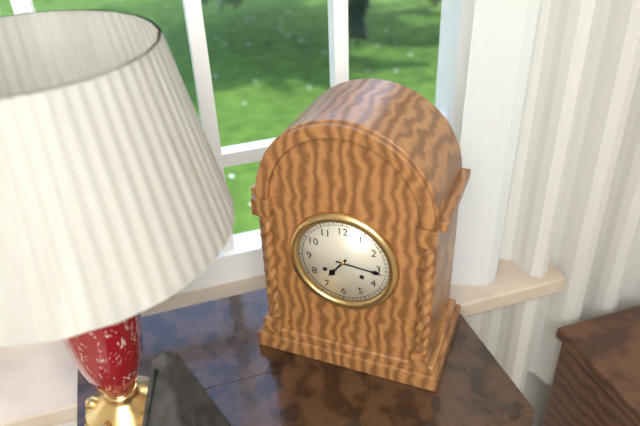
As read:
7.16
